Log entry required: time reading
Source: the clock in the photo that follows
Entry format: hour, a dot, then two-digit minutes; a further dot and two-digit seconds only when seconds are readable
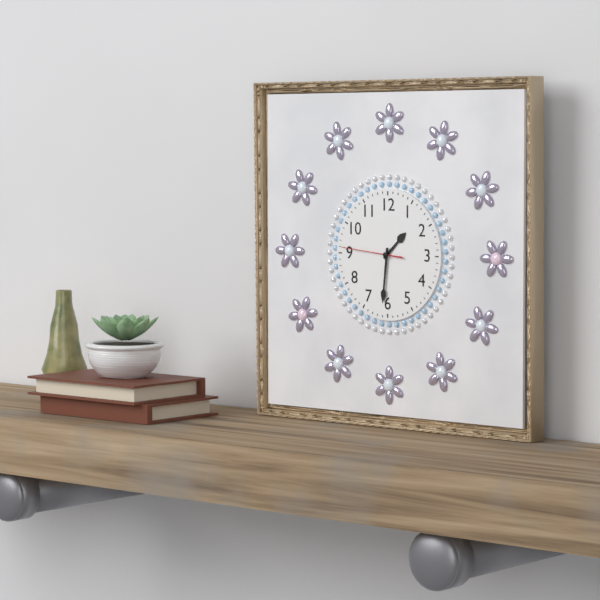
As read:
1.31.46
